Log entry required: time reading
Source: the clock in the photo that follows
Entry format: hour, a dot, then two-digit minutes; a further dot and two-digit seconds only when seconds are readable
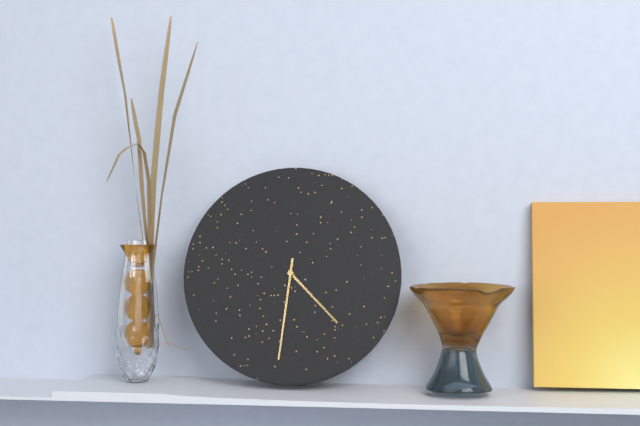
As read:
4.31
